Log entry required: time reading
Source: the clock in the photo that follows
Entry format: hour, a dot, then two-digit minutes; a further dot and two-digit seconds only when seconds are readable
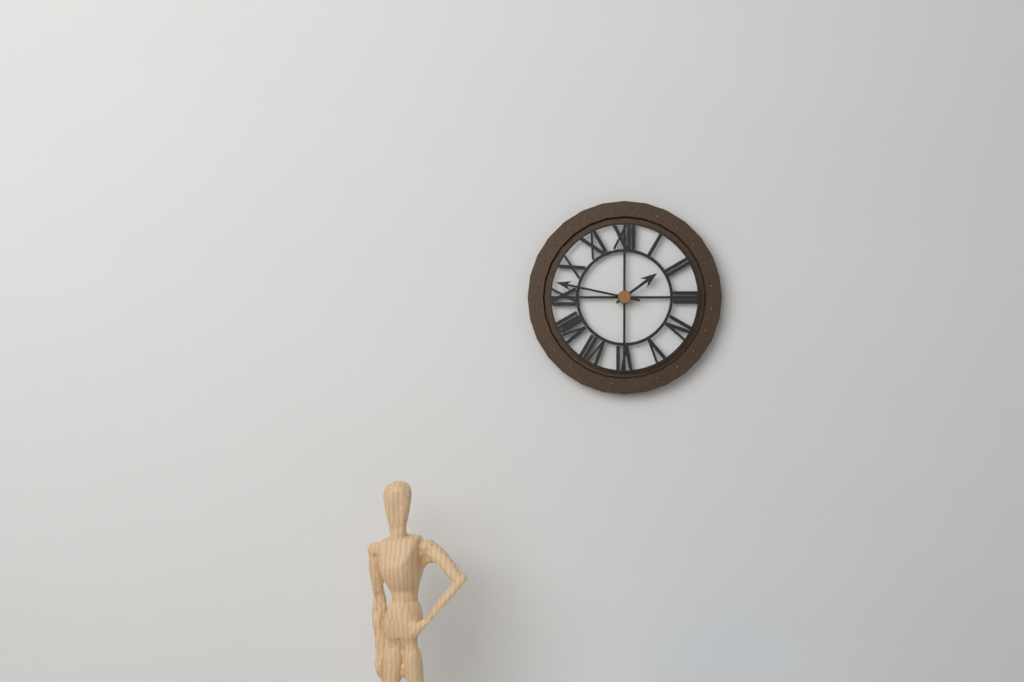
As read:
1.47
